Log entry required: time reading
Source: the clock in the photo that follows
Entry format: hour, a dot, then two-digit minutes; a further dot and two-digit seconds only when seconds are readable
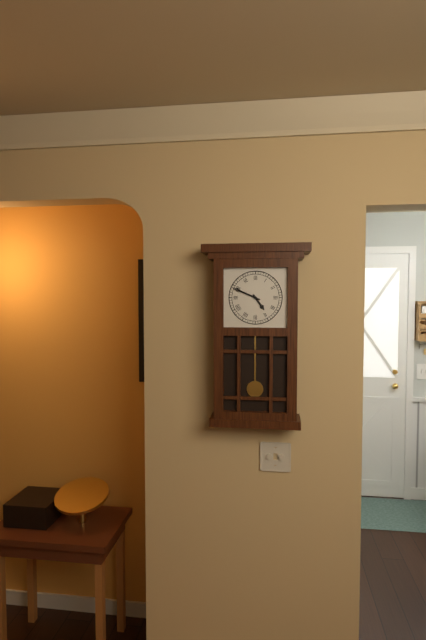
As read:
4.49
